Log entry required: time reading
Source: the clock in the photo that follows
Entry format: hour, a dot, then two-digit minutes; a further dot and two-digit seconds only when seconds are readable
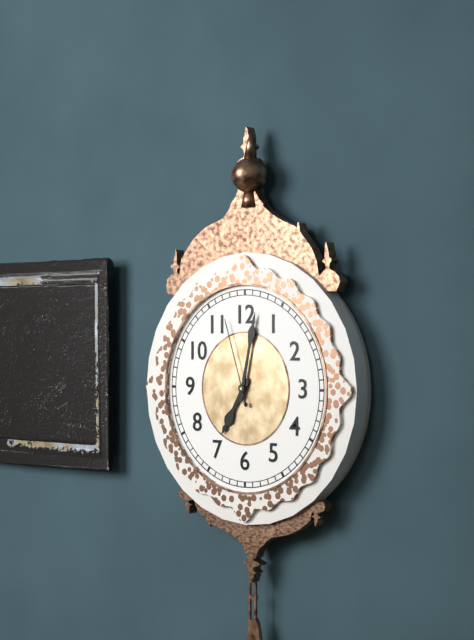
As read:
7.02.57
